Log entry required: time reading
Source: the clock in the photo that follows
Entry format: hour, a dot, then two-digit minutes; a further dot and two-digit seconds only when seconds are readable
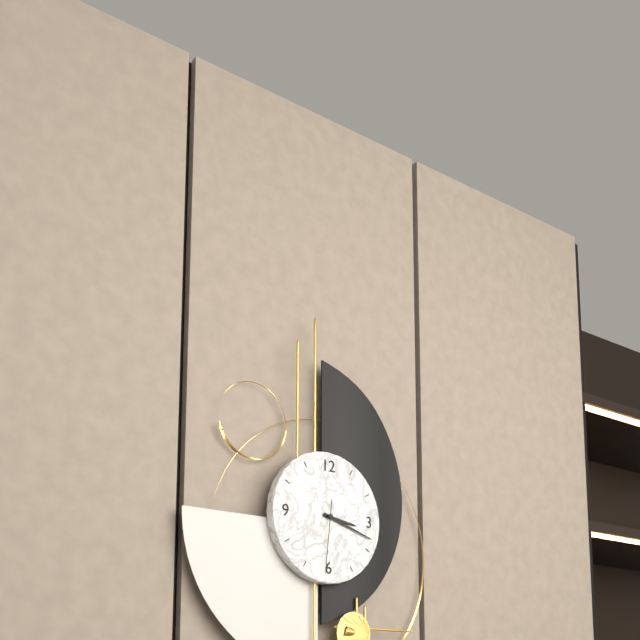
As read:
3.18.31
